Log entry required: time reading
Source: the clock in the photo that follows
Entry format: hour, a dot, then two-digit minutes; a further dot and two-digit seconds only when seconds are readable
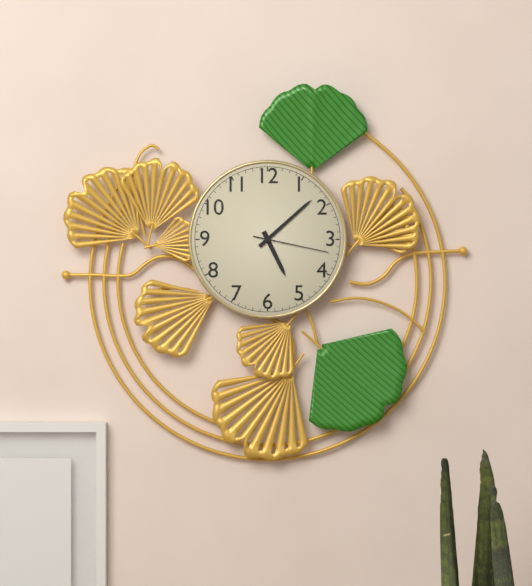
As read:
5.08.17
